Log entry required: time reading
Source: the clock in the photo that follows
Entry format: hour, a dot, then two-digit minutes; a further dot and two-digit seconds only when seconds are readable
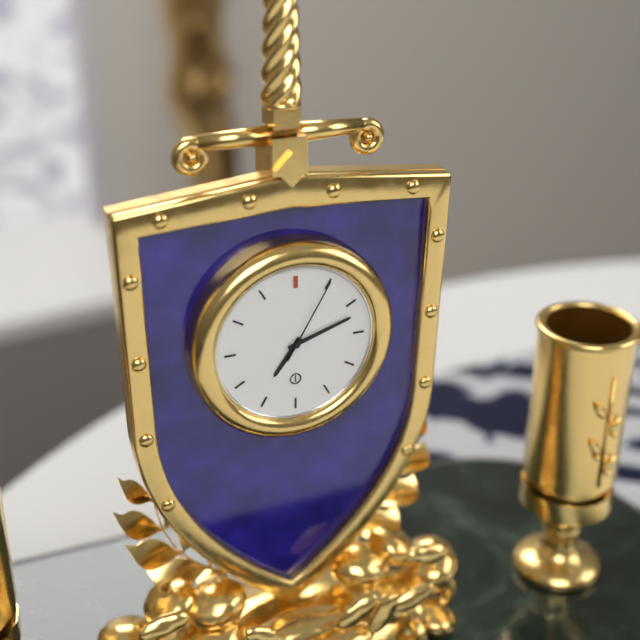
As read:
7.12.05
